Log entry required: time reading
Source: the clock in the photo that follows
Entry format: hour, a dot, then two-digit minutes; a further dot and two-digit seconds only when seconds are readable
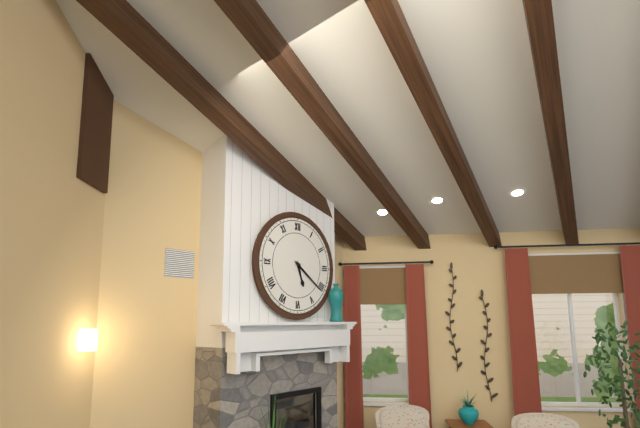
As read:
5.21
